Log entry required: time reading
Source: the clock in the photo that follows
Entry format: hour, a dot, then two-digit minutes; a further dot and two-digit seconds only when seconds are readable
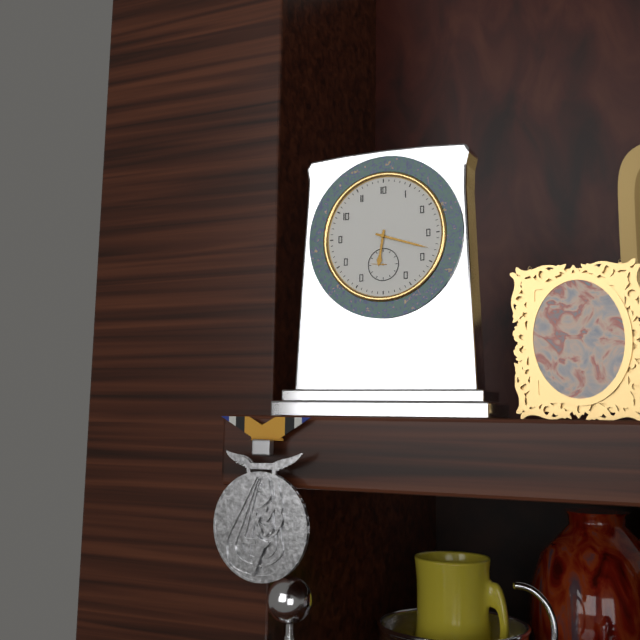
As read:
6.18
